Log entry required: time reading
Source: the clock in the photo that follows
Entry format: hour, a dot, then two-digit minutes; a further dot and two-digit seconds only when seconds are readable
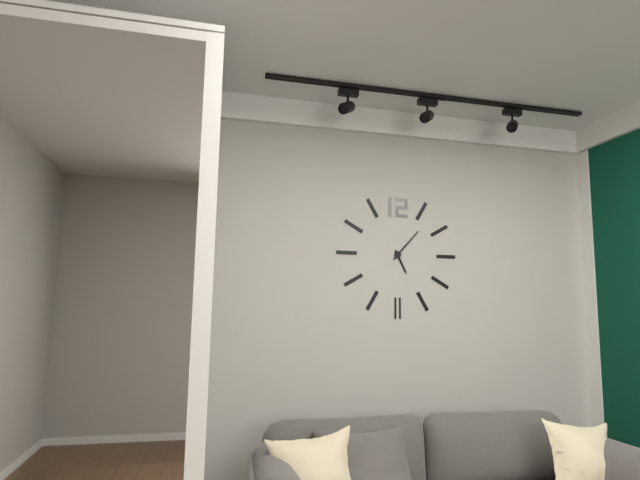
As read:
5.07
